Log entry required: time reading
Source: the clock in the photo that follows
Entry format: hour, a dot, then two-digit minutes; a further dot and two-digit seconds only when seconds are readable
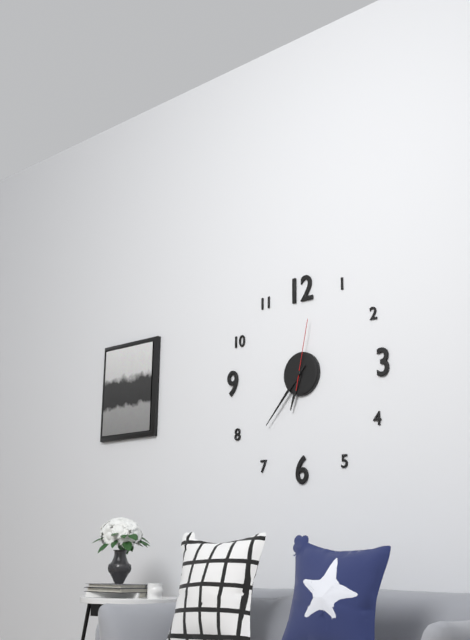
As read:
6.37.02
